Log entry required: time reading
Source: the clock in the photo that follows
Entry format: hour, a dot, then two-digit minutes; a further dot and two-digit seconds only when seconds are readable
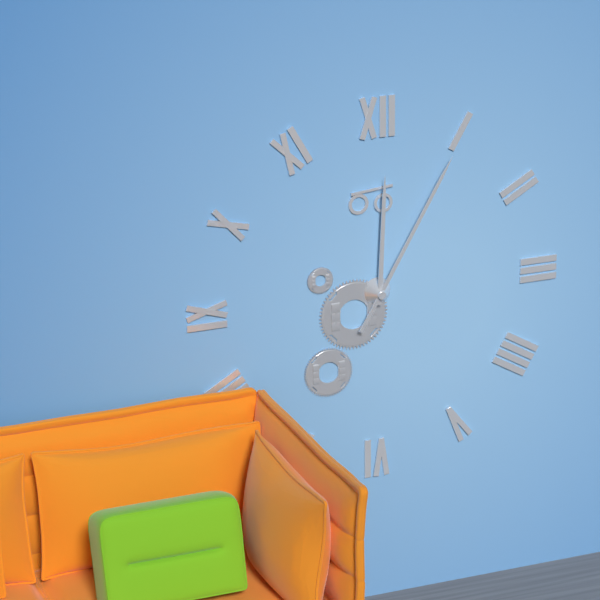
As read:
12.05
